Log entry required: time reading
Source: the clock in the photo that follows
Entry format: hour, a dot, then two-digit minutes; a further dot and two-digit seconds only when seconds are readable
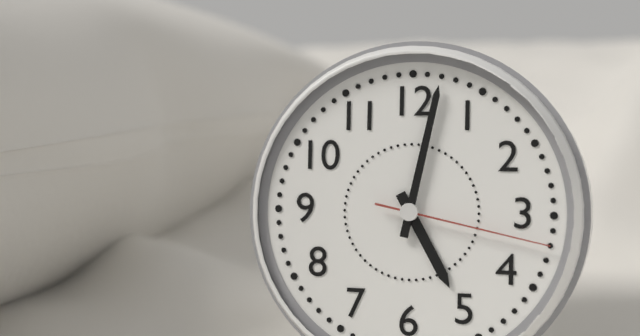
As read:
5.02.17
